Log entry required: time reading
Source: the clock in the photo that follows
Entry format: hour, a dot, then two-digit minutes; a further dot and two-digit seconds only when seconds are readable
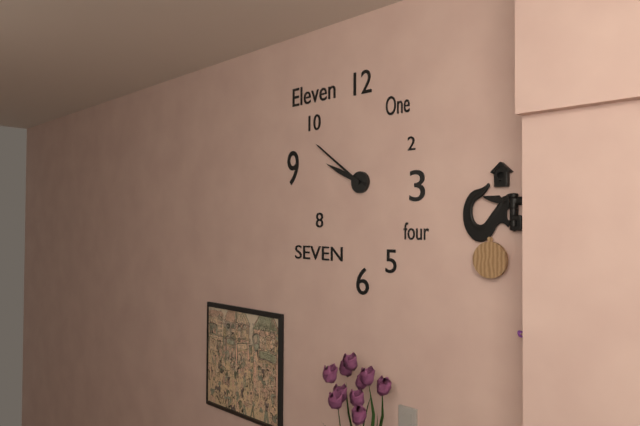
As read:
9.51
